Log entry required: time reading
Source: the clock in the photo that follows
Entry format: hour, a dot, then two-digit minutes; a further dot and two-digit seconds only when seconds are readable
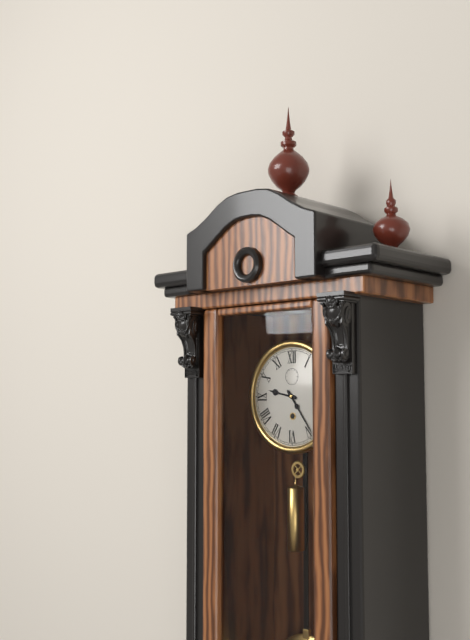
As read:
9.24
